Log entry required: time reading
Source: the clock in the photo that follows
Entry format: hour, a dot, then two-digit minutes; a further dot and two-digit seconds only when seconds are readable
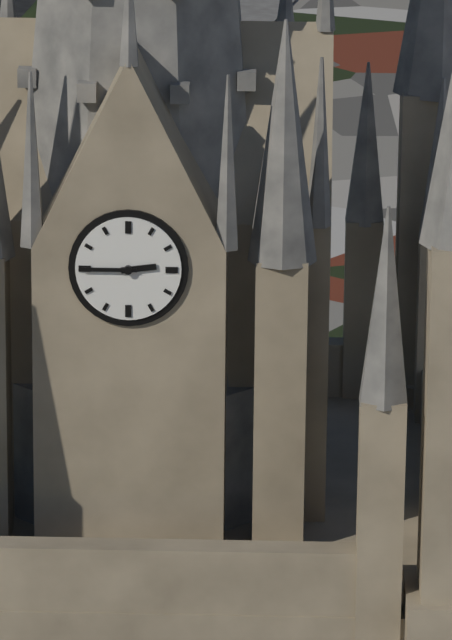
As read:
2.45
